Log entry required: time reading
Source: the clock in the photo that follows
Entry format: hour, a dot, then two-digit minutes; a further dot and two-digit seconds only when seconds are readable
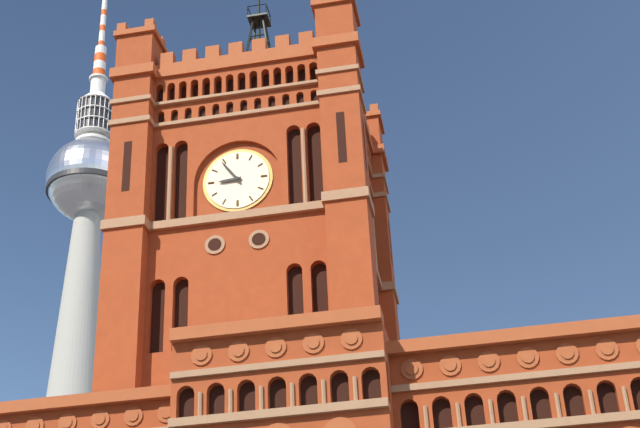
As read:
8.54
